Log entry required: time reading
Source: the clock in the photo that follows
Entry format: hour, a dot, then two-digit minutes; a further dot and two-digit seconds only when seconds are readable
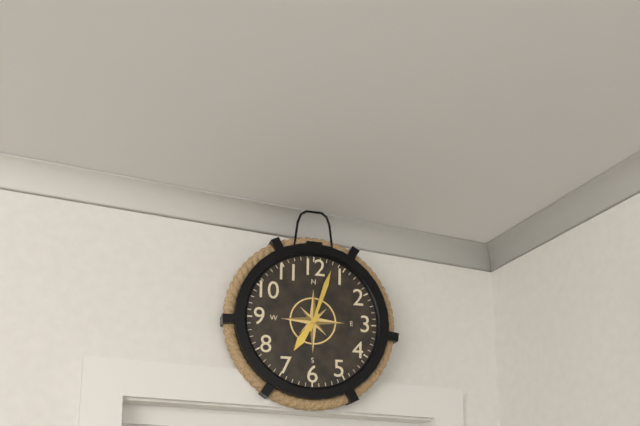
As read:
7.03
